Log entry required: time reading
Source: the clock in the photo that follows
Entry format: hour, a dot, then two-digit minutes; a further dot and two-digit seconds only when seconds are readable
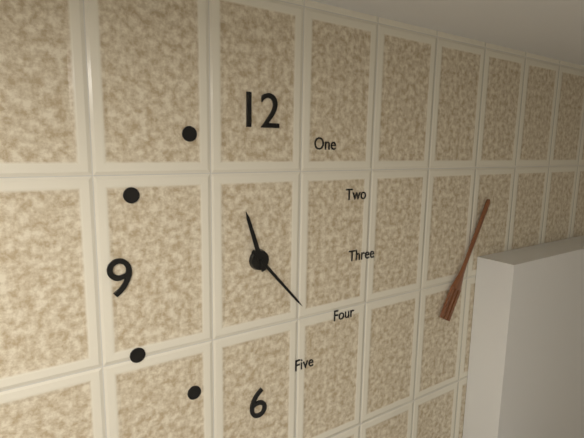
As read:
11.23
